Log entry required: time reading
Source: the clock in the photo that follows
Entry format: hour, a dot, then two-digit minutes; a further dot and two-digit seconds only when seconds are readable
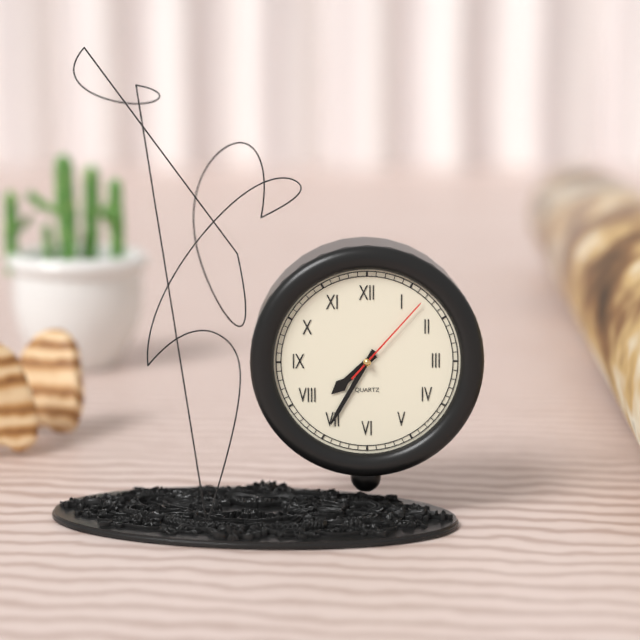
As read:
7.35.07
